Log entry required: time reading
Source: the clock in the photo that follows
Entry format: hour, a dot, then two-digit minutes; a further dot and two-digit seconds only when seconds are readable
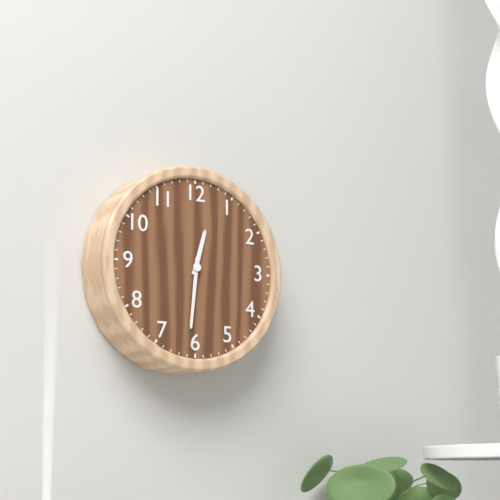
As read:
12.31
